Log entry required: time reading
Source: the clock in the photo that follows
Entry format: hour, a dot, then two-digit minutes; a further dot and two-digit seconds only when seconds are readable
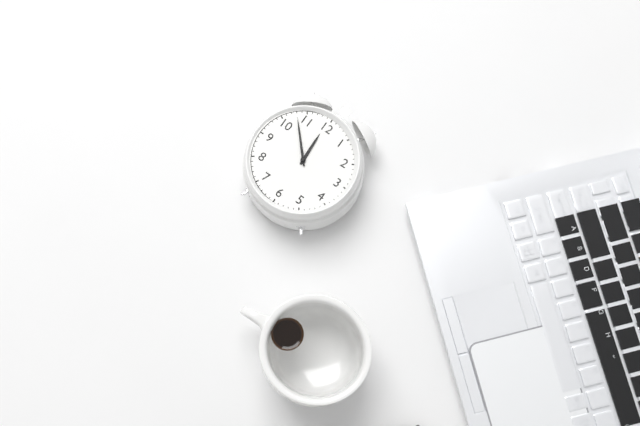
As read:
11.53
